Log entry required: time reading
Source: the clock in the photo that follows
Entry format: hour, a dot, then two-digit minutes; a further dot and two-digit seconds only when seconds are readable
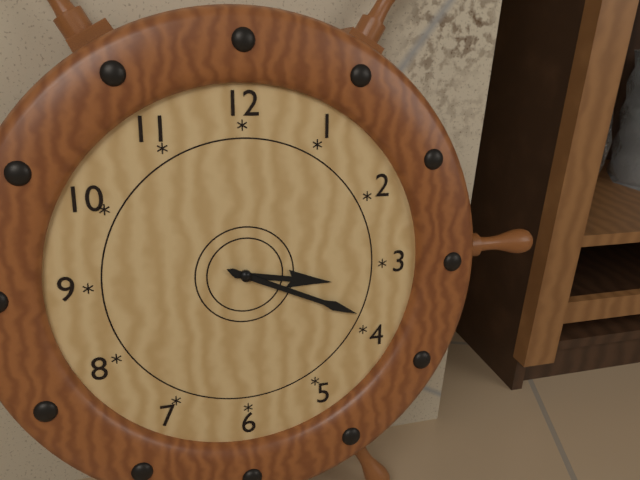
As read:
3.19
